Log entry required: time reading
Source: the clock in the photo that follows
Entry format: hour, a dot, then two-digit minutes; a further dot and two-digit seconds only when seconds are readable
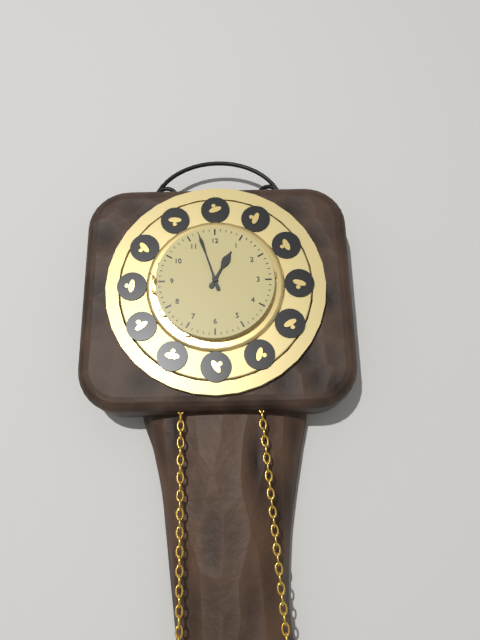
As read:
12.57
